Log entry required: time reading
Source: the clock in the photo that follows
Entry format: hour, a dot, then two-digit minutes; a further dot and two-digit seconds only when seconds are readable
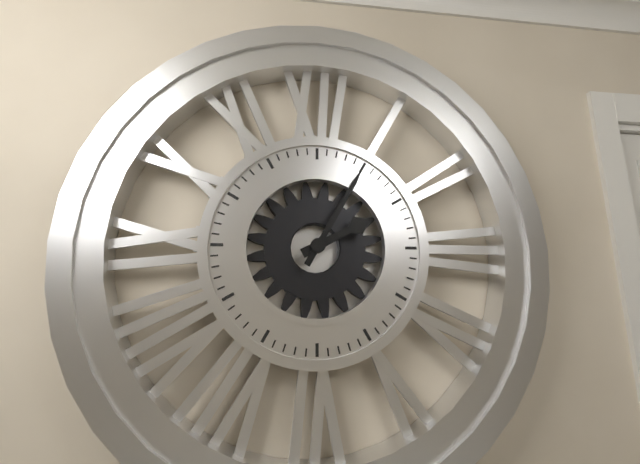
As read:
2.05
